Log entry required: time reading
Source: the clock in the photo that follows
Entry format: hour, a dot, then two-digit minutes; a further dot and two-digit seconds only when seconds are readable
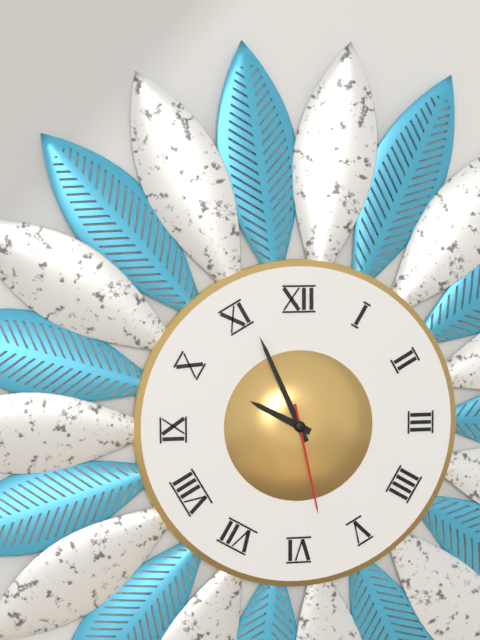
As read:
9.56.28
